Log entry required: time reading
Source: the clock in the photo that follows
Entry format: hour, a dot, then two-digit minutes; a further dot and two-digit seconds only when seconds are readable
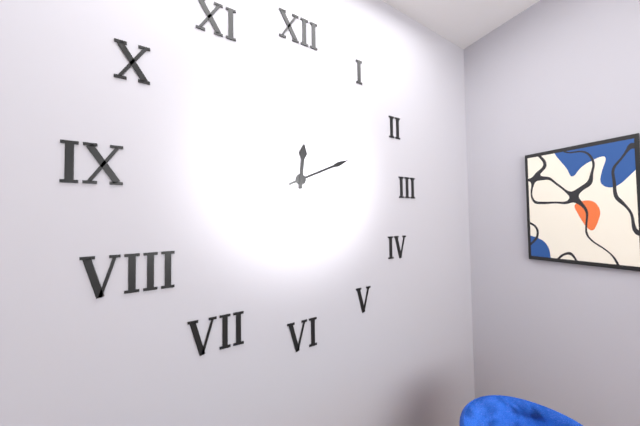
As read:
12.11
